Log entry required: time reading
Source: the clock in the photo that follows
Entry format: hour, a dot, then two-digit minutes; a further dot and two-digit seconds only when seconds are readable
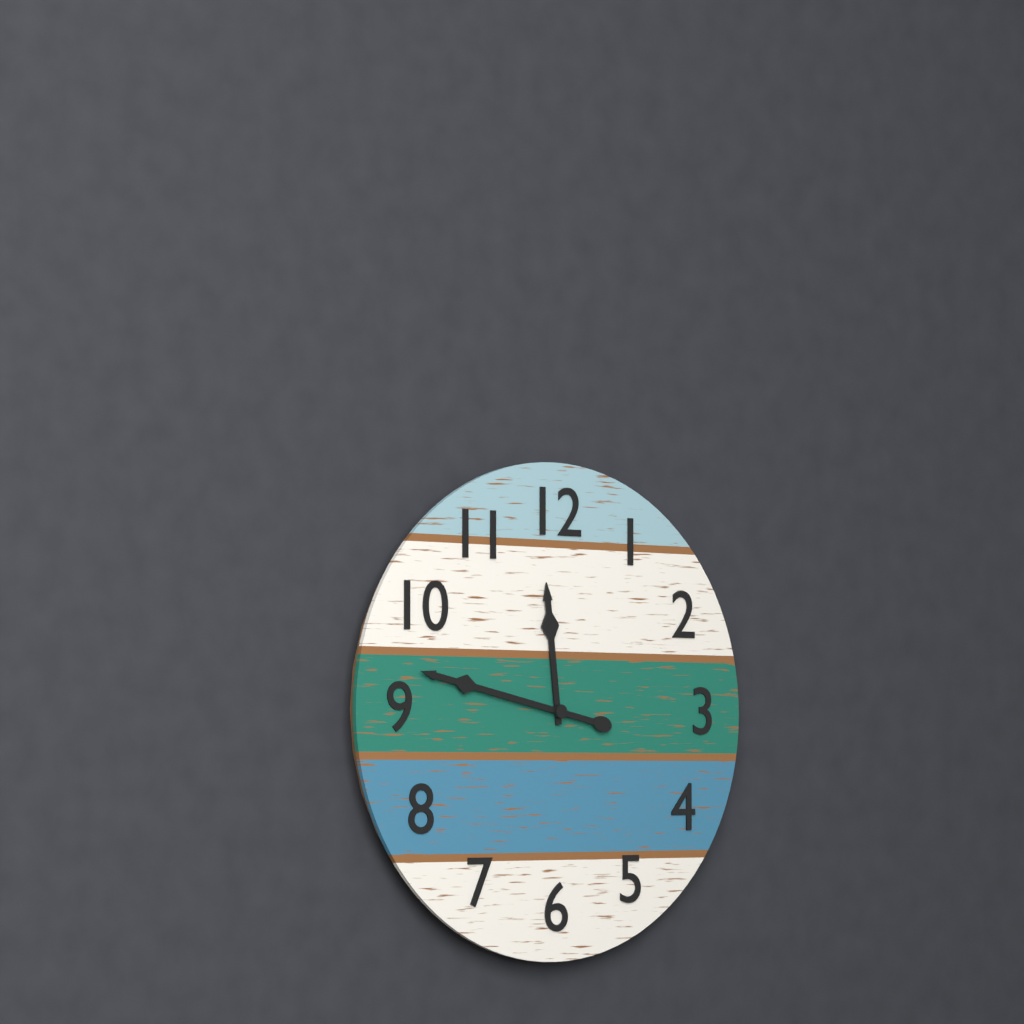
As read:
11.47
